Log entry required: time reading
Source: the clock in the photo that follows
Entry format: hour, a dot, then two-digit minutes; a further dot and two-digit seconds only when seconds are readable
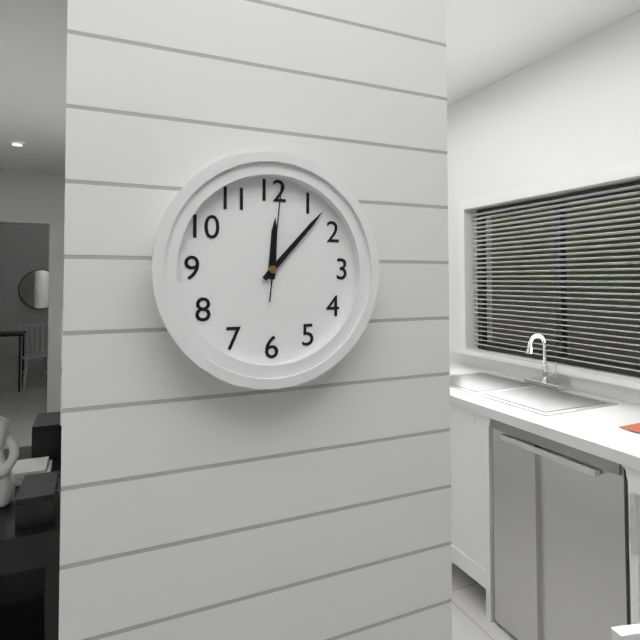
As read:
12.07.01
